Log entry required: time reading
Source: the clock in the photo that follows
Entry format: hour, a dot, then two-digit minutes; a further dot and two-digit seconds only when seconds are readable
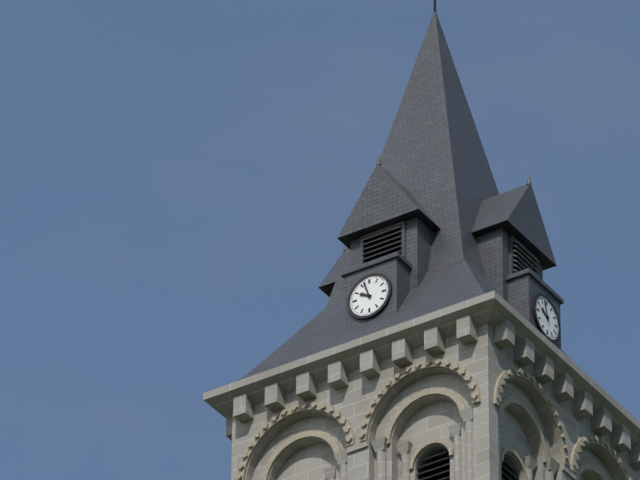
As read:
9.57
